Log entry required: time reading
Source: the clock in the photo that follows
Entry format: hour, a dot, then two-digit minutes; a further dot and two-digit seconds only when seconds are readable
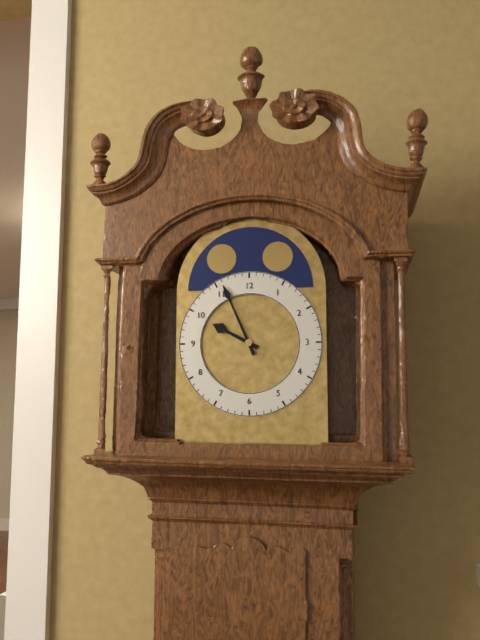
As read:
9.56
